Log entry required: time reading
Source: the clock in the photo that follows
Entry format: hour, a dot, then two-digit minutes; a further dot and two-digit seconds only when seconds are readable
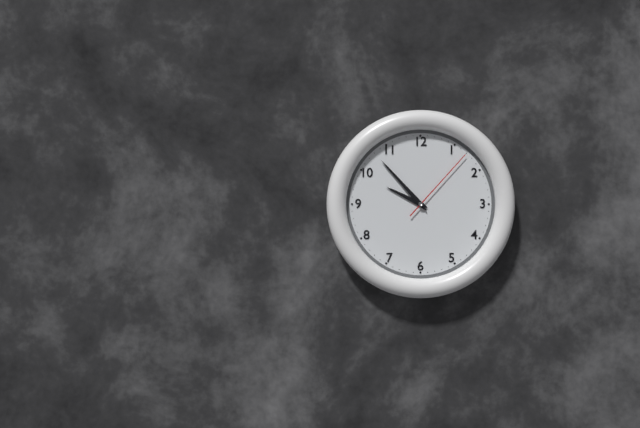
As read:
9.53.07
